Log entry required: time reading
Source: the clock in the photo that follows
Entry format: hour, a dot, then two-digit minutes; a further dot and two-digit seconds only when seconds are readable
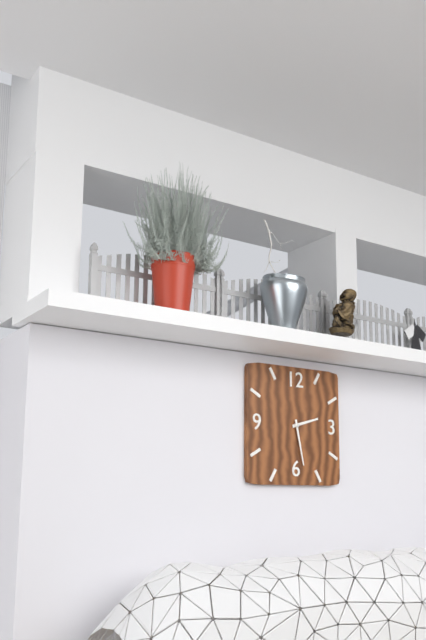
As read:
2.28
